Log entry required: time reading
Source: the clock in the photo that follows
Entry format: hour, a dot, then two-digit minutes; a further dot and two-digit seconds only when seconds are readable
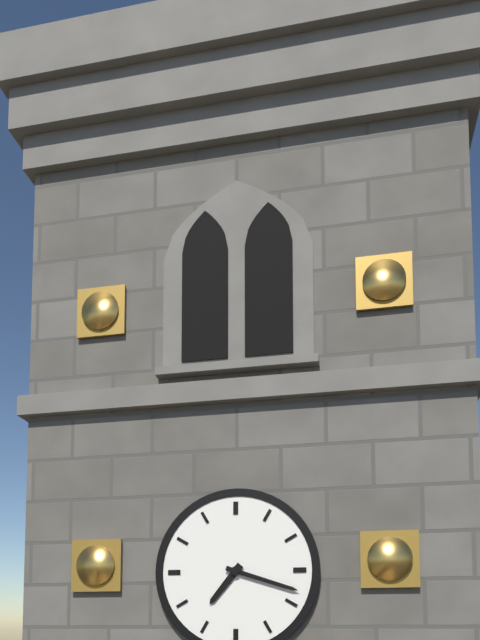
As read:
7.18
